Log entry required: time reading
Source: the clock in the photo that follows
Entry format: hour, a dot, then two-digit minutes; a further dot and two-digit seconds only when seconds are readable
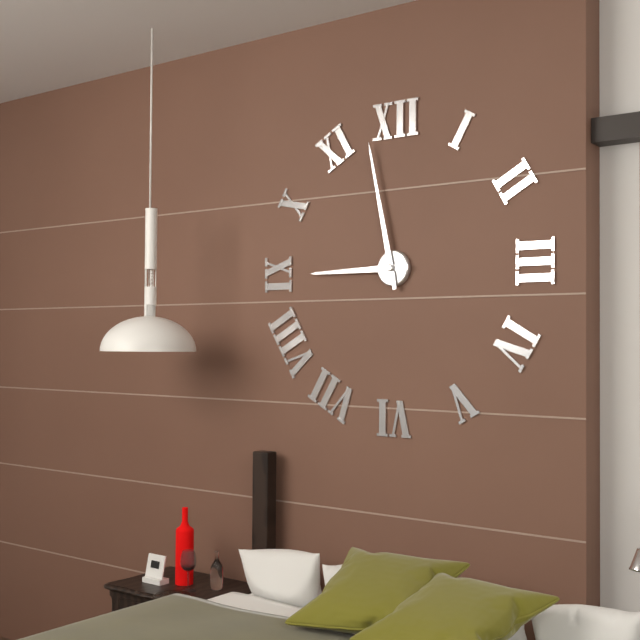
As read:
8.58
